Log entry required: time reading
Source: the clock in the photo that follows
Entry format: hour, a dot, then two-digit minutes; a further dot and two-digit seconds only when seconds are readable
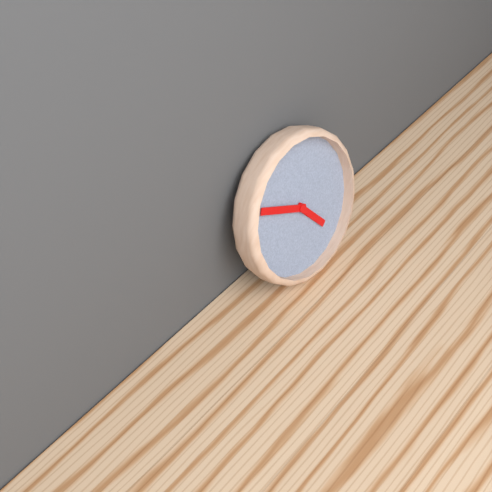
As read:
4.50
